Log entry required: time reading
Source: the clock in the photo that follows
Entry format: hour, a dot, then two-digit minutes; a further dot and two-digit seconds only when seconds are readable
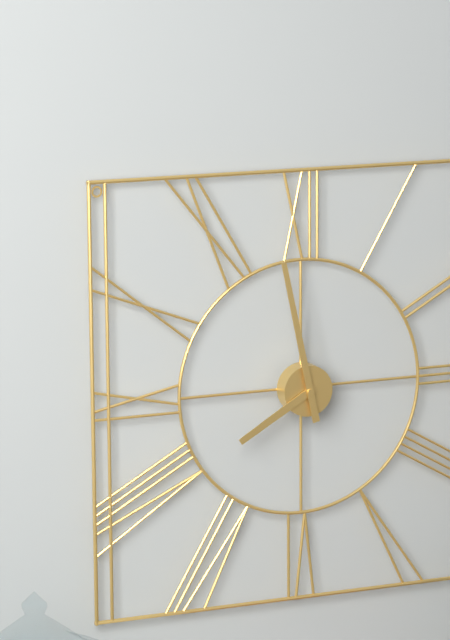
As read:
7.58
